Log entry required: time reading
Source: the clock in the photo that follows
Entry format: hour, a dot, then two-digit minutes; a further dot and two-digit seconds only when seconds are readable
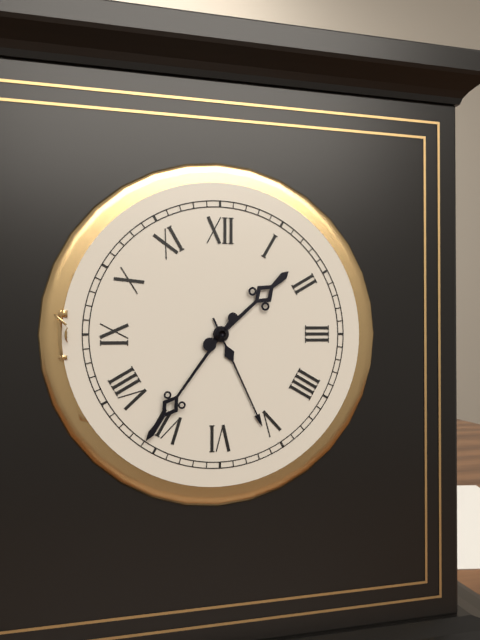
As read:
1.36
